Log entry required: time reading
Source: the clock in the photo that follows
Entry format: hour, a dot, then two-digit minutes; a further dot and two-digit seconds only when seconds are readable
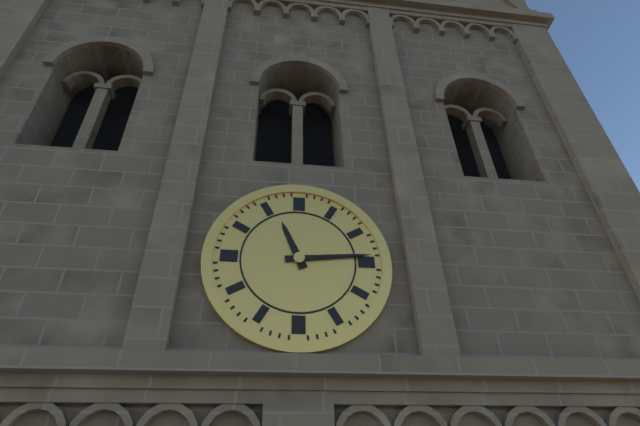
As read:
11.14
